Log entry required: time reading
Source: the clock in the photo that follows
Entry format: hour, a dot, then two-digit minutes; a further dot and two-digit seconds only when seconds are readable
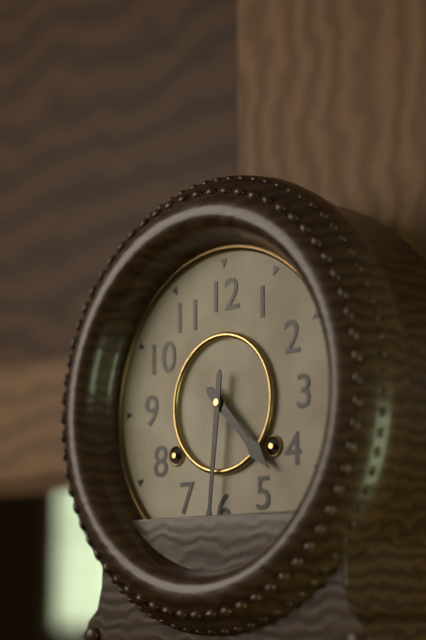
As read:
4.31
